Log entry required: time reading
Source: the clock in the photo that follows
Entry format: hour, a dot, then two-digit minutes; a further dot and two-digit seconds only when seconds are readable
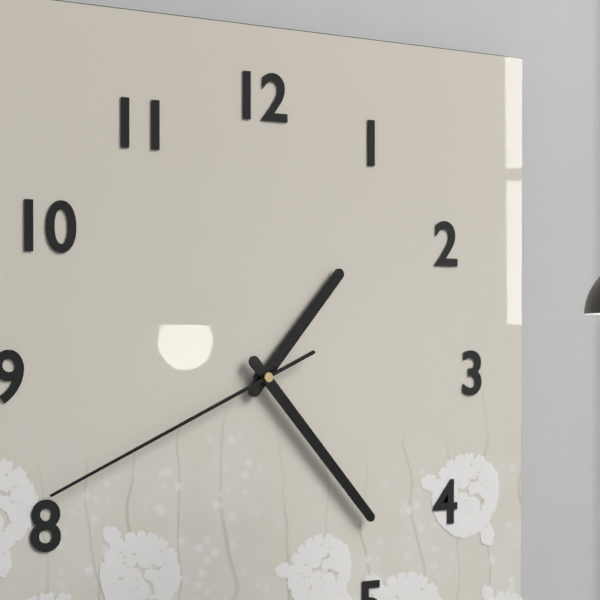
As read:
1.23.41
